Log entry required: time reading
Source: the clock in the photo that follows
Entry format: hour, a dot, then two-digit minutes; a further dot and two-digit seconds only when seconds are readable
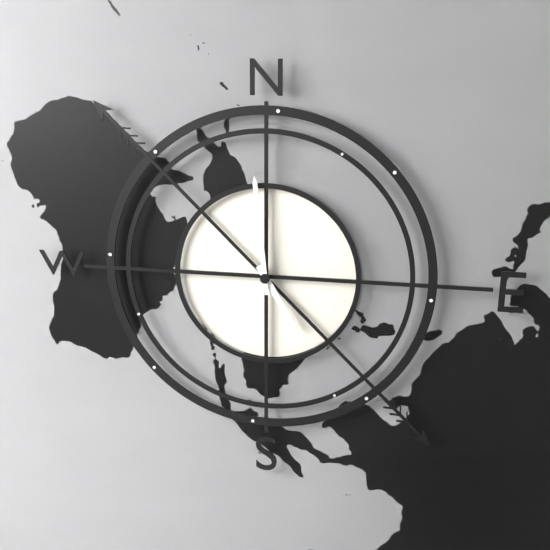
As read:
4.59
